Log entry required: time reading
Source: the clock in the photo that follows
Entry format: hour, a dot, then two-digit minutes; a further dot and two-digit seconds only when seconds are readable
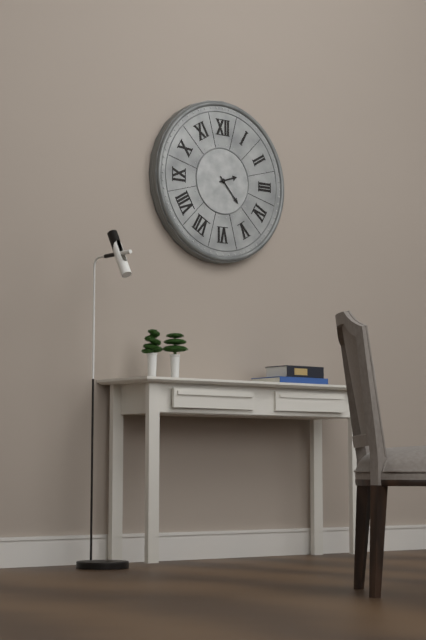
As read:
2.23
